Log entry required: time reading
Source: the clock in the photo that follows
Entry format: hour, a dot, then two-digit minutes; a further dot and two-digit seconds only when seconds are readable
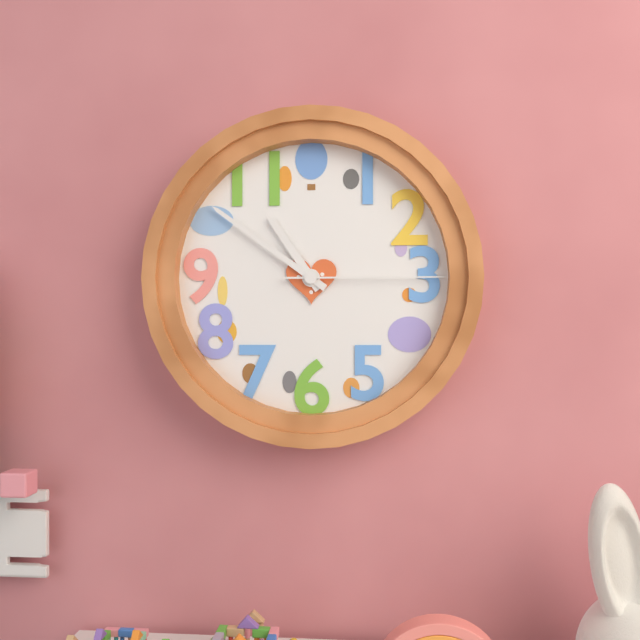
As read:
10.51.15
